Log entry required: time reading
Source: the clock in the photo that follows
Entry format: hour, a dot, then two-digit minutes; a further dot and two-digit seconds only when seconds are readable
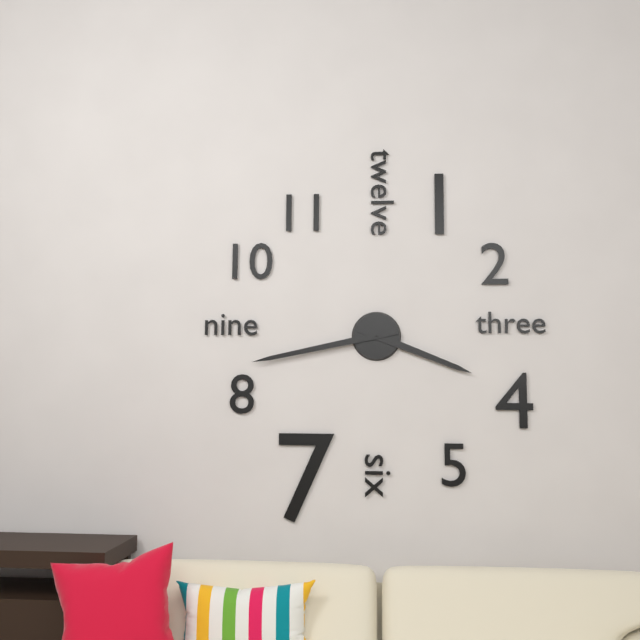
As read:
3.43
